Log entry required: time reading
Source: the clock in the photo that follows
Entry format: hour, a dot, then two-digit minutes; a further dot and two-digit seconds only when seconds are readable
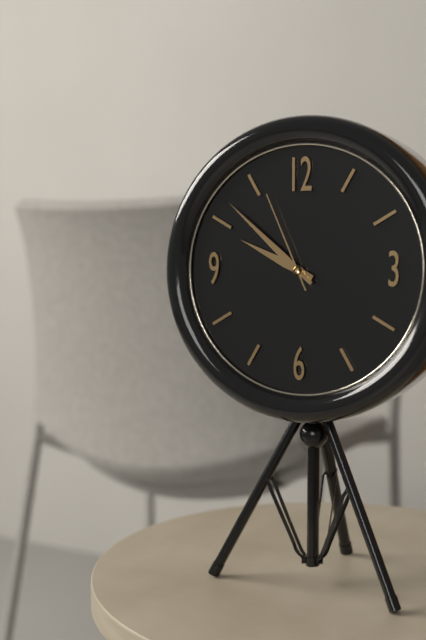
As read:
9.52.56
